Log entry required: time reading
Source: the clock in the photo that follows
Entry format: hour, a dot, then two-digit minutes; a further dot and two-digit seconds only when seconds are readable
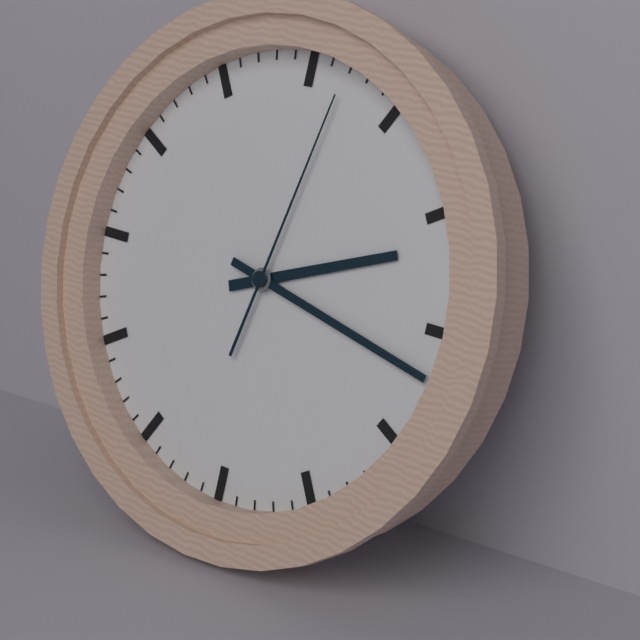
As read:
2.17.02
